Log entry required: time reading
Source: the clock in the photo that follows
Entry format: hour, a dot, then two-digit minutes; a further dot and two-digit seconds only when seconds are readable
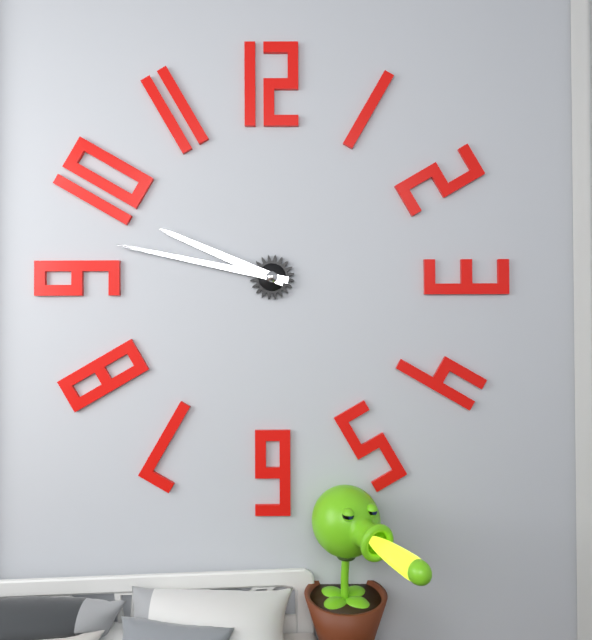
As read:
9.47
